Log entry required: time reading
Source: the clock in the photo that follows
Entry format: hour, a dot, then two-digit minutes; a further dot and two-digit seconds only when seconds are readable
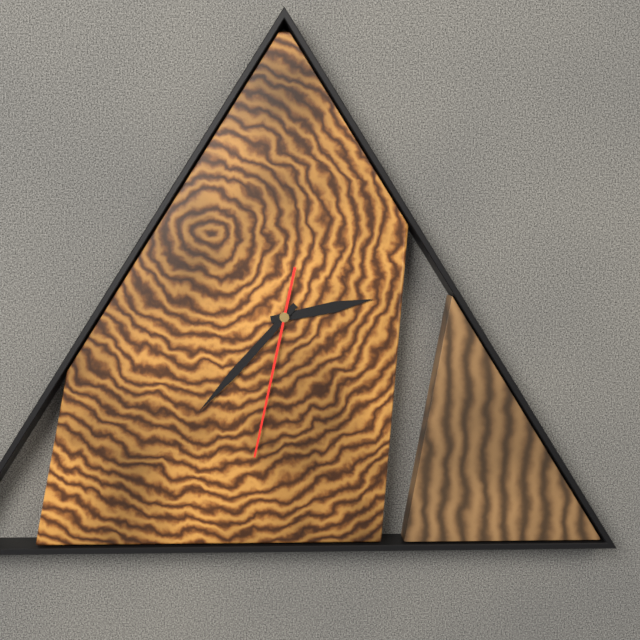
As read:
2.37.32
